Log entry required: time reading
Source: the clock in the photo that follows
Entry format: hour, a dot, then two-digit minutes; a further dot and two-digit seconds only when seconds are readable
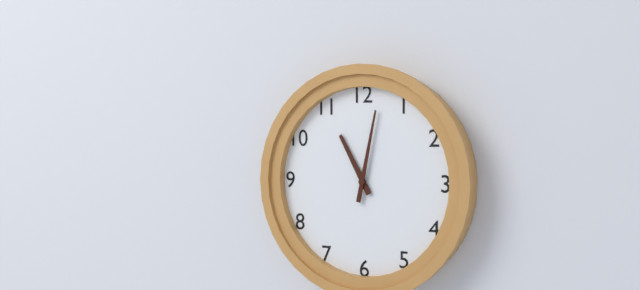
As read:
11.02
